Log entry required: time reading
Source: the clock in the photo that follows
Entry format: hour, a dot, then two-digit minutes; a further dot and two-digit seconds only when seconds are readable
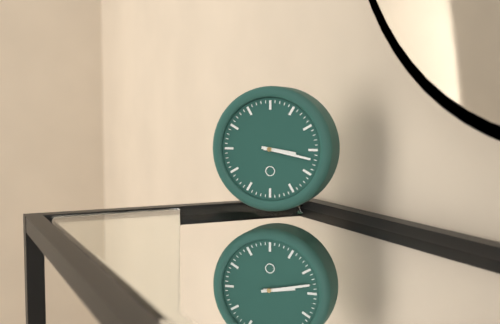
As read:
3.17
